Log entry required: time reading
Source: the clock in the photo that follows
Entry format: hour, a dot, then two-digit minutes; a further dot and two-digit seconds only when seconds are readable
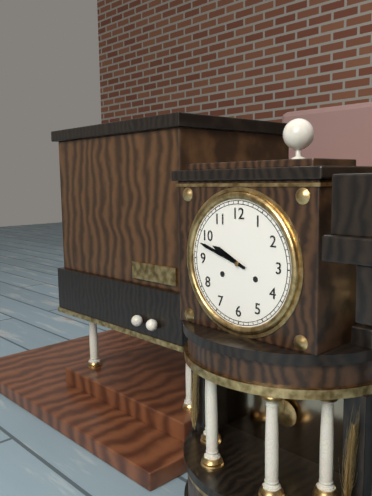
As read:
9.48
